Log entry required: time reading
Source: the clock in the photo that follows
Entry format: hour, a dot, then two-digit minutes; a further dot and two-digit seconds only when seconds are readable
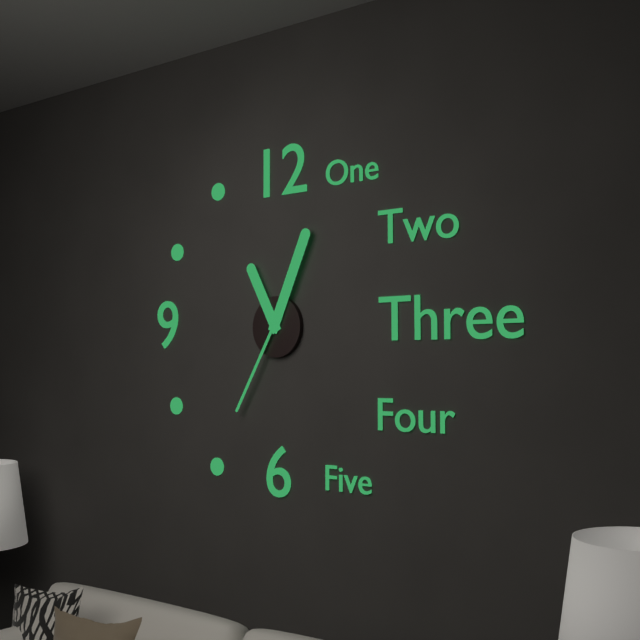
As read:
11.04.35
